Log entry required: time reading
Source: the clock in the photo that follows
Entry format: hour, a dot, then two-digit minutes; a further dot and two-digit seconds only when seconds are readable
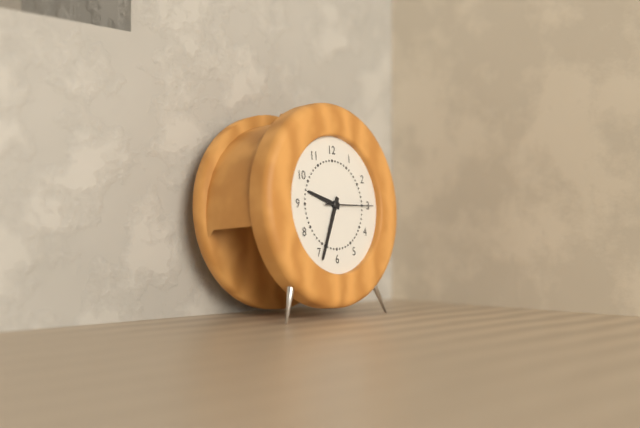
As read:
9.34
